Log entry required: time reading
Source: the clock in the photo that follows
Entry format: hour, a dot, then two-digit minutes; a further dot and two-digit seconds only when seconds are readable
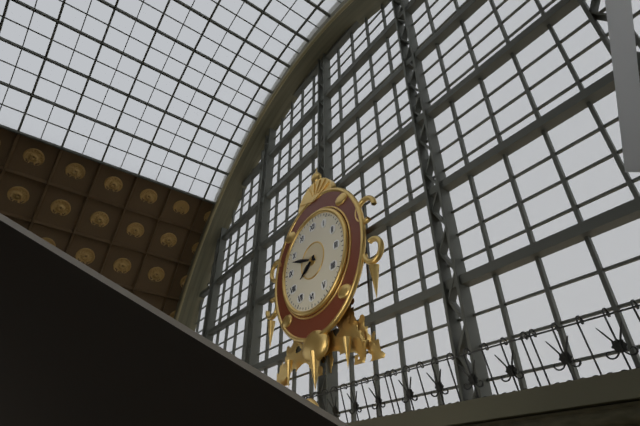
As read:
7.48
